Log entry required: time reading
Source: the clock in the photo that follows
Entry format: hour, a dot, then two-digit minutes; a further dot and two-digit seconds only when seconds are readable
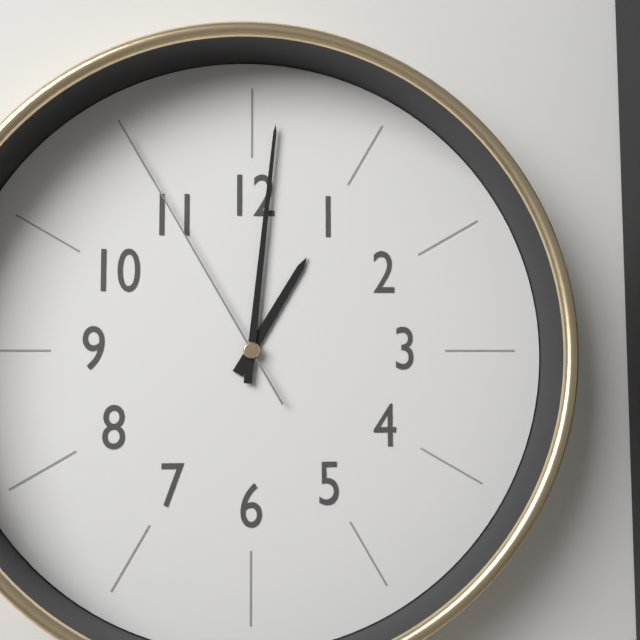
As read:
1.01.55
